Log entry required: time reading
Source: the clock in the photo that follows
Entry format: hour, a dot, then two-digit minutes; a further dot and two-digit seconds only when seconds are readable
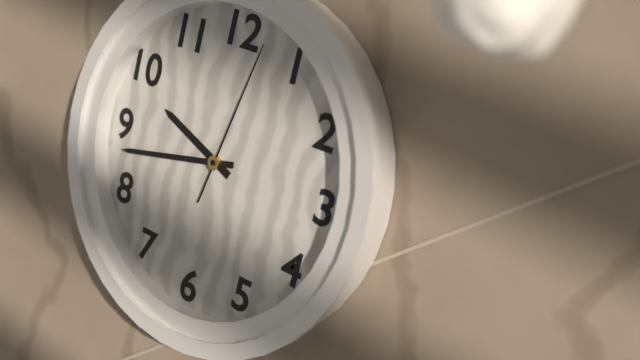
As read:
9.43.02
